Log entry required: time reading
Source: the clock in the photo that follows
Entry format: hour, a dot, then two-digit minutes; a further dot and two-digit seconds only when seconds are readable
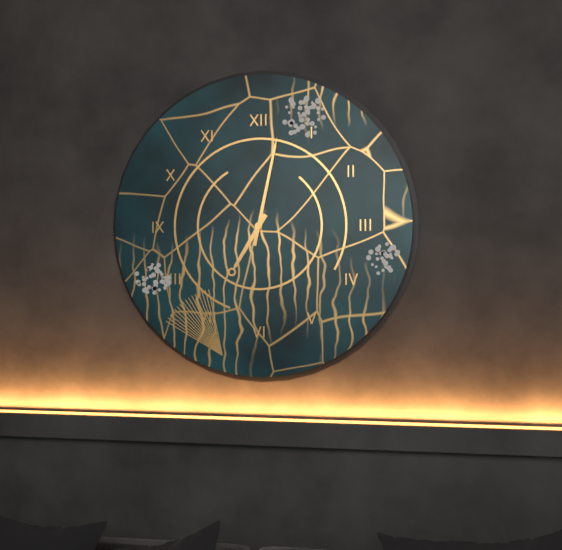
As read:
7.02
